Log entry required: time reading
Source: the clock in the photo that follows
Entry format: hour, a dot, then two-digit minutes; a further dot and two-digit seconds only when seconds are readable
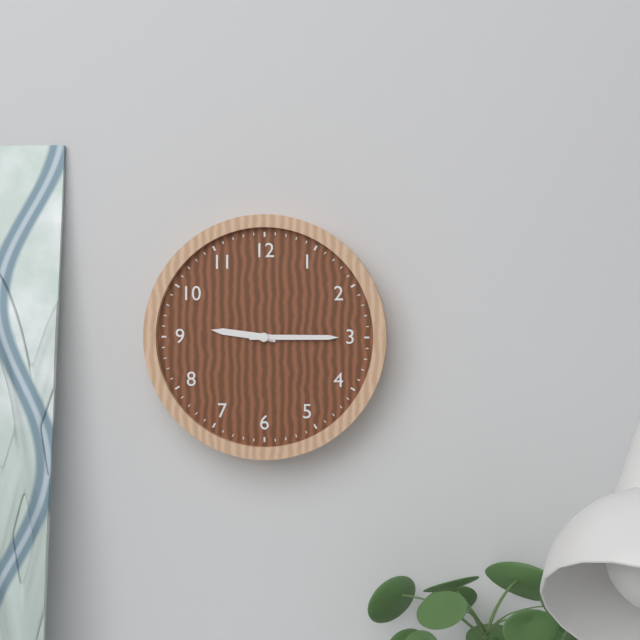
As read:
9.15
